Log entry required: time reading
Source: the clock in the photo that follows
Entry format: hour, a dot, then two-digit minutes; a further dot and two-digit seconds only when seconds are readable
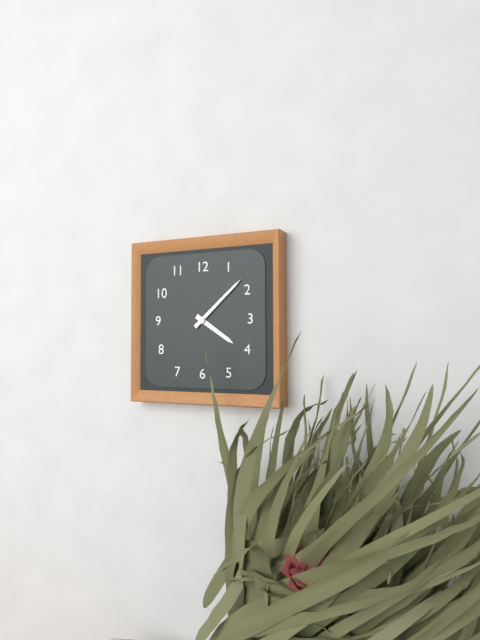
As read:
4.08
